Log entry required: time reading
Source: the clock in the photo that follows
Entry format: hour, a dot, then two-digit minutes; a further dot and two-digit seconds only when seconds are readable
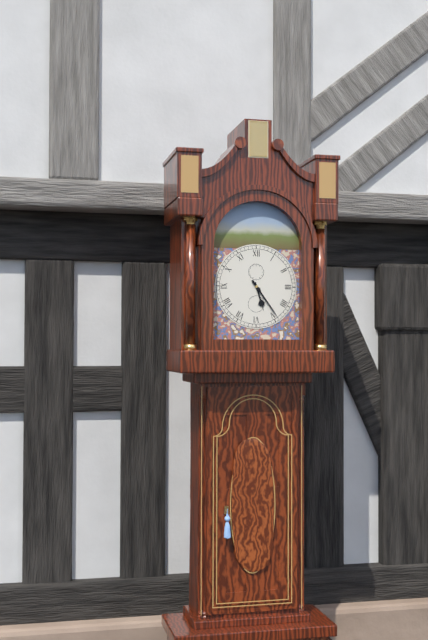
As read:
5.24
